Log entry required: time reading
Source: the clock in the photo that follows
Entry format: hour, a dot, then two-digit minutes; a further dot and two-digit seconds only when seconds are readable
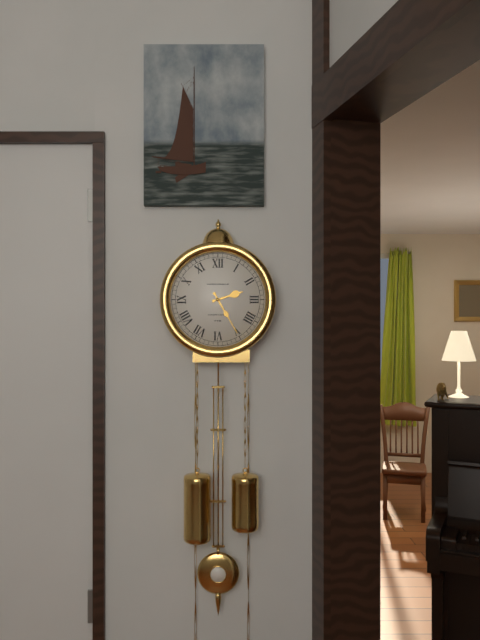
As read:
2.25
